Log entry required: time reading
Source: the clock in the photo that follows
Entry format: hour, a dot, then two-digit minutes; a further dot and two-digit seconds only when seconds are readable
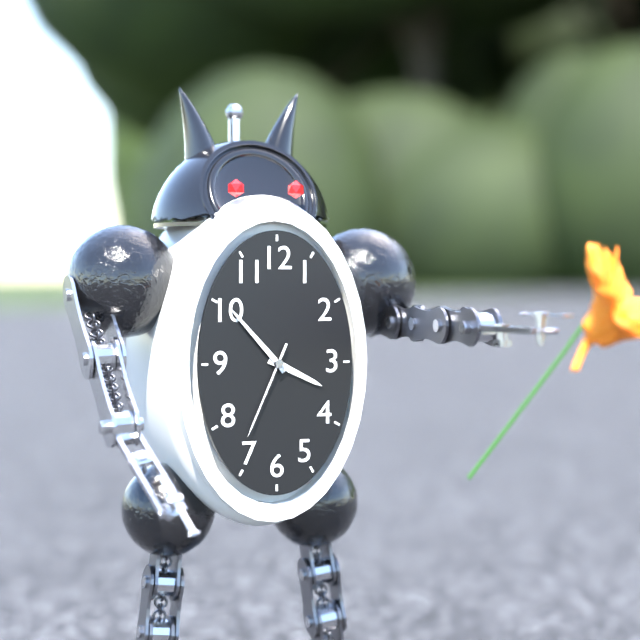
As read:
3.53.34
